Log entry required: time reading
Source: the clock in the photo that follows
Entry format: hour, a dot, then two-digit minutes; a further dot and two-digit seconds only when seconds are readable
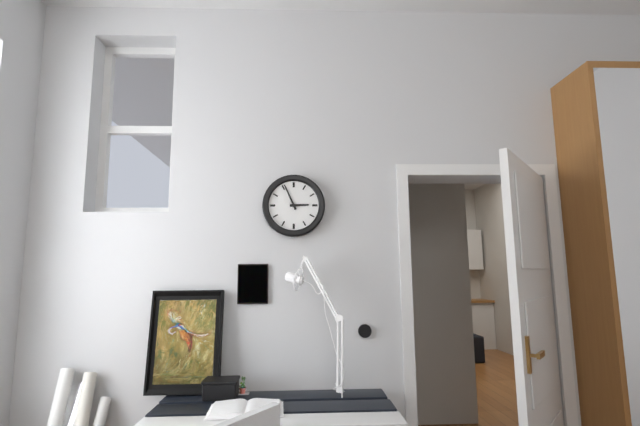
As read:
2.56
